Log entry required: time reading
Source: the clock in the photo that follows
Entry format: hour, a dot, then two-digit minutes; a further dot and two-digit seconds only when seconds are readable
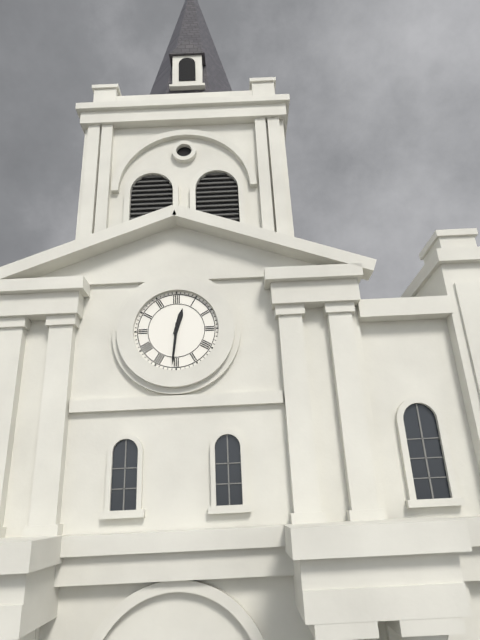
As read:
12.31
